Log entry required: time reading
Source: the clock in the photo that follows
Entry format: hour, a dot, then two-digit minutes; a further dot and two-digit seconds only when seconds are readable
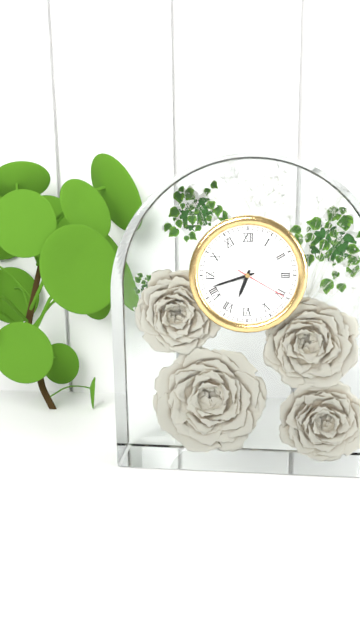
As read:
6.42.20
